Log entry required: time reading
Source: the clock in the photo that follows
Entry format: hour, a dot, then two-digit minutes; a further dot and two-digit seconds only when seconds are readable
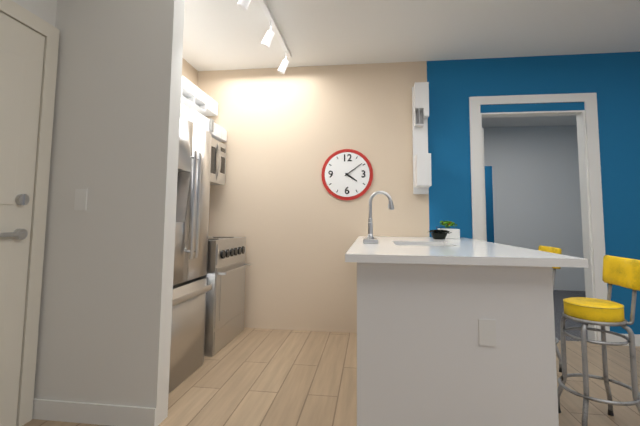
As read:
4.09
